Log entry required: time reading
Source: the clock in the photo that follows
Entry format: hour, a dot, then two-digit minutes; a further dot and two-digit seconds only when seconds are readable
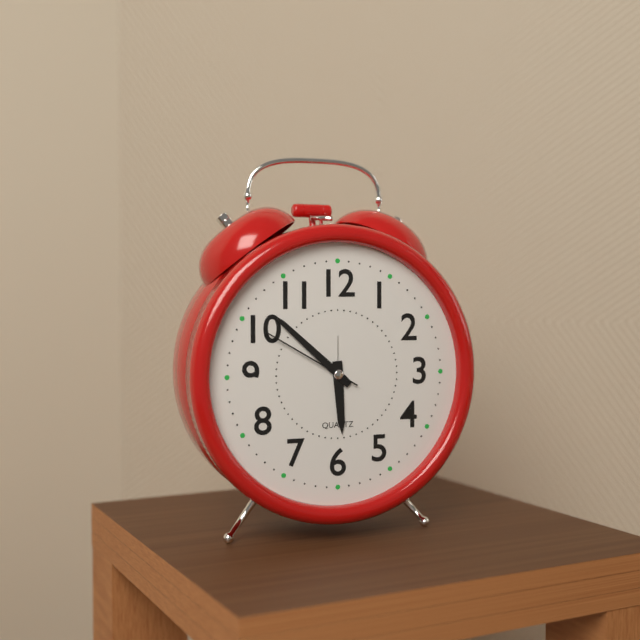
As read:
5.52.50
